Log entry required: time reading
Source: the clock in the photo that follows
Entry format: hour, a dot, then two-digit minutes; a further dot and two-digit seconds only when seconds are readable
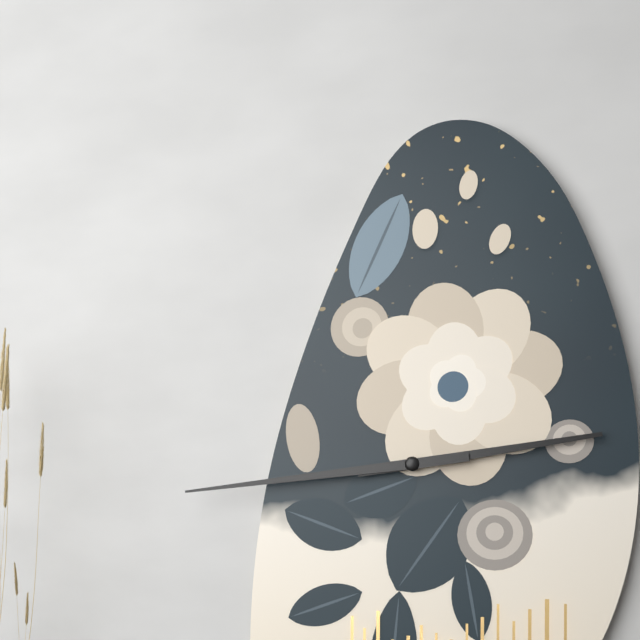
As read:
2.44
